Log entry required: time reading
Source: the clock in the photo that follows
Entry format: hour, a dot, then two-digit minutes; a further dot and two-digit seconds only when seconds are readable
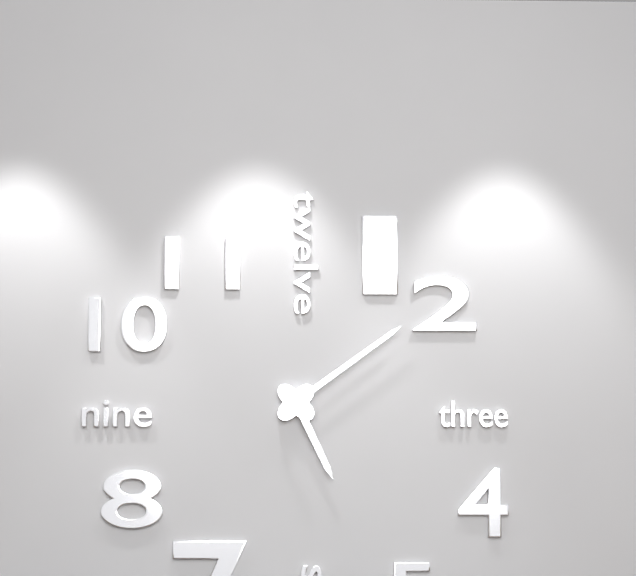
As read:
5.09
